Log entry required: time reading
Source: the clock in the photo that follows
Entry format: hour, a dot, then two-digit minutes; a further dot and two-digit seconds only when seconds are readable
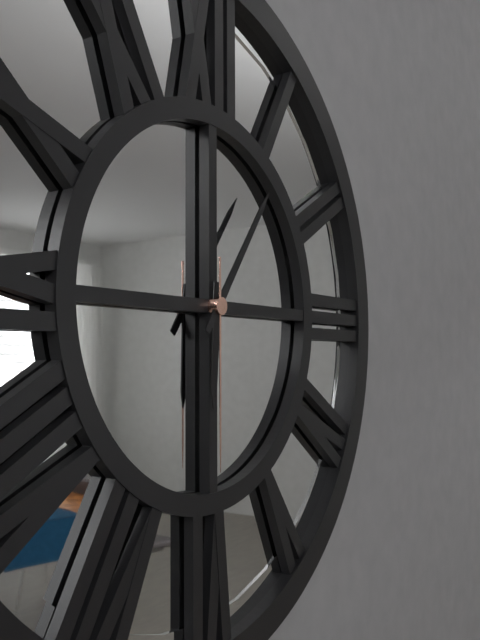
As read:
6.06.30
